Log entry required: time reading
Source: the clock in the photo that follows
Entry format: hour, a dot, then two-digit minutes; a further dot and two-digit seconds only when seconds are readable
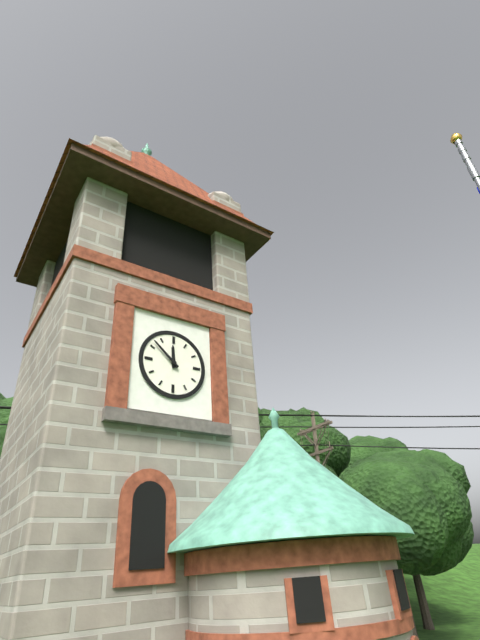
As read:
11.52
